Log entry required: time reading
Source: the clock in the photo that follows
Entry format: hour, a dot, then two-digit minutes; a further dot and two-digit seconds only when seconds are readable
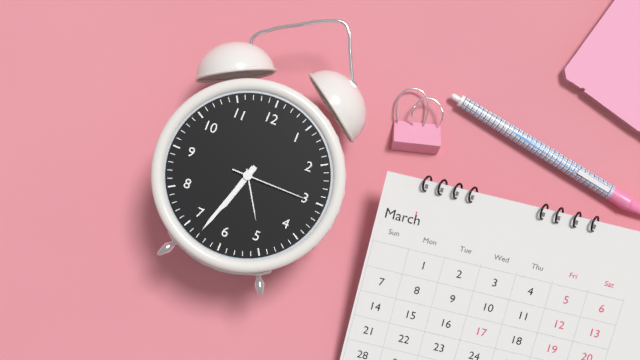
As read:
6.33.15
